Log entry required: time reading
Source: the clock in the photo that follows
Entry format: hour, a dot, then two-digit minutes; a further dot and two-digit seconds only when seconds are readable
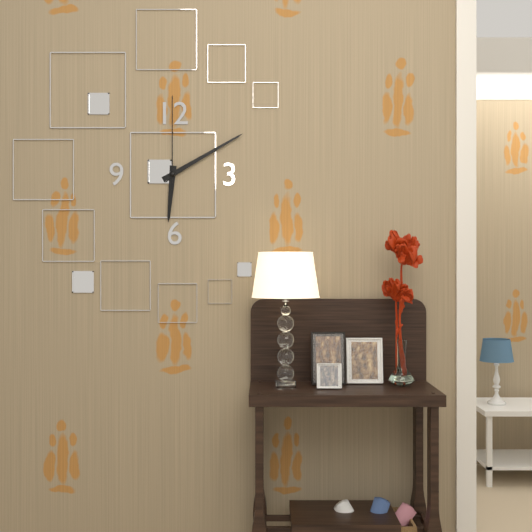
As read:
6.10.00
